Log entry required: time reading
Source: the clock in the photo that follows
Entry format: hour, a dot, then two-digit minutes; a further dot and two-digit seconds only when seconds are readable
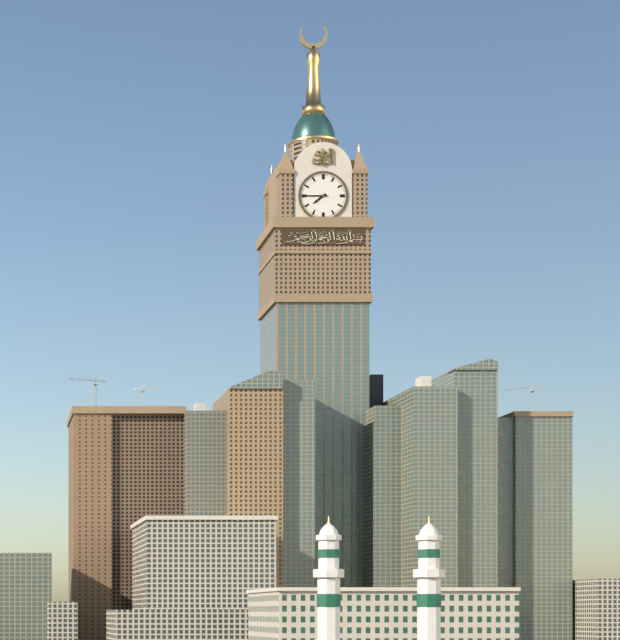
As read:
7.45
